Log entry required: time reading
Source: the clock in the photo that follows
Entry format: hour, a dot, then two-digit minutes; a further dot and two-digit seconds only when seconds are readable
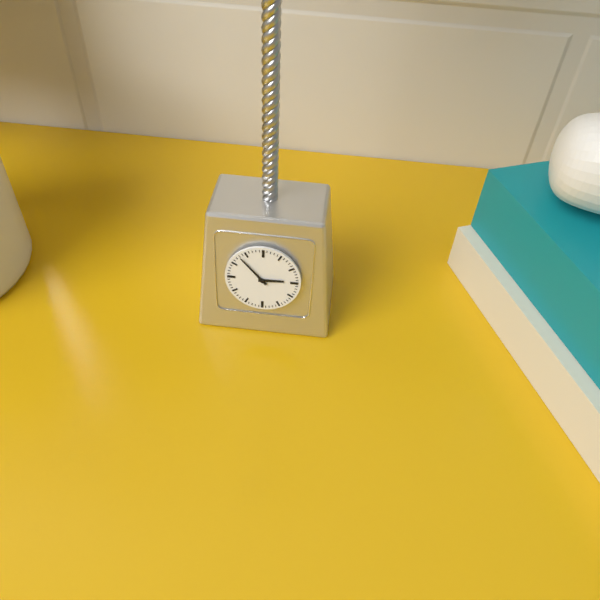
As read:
2.53
